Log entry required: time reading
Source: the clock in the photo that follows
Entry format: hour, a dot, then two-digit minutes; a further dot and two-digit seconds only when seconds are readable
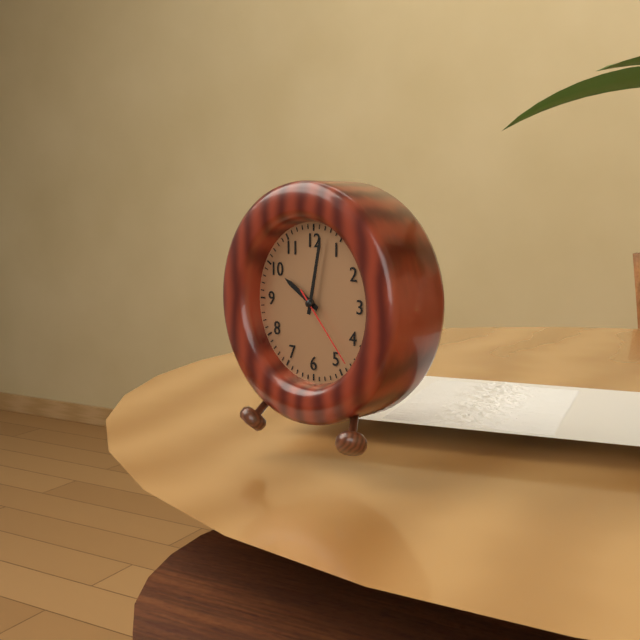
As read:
10.02.23
